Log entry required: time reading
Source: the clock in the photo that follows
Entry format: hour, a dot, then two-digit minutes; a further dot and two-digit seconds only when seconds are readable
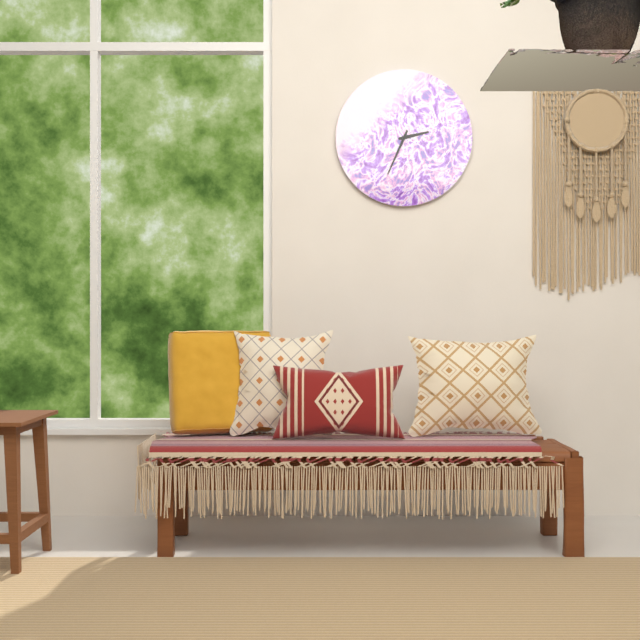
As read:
2.34
